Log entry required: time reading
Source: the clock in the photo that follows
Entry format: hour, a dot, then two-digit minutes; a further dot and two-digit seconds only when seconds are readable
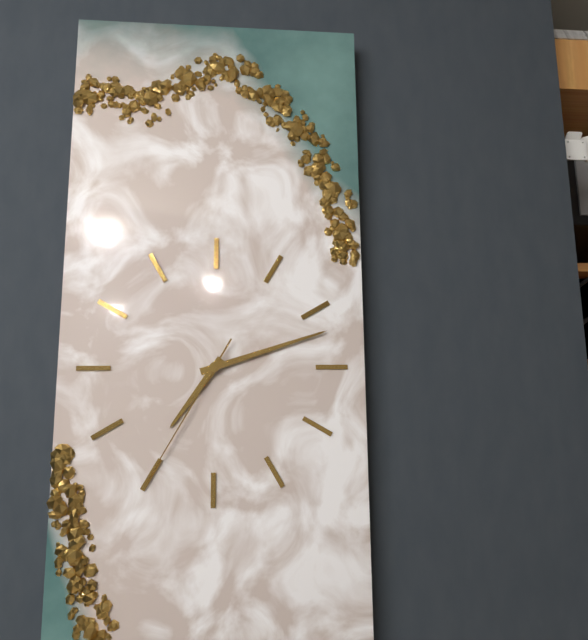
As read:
7.12.35
